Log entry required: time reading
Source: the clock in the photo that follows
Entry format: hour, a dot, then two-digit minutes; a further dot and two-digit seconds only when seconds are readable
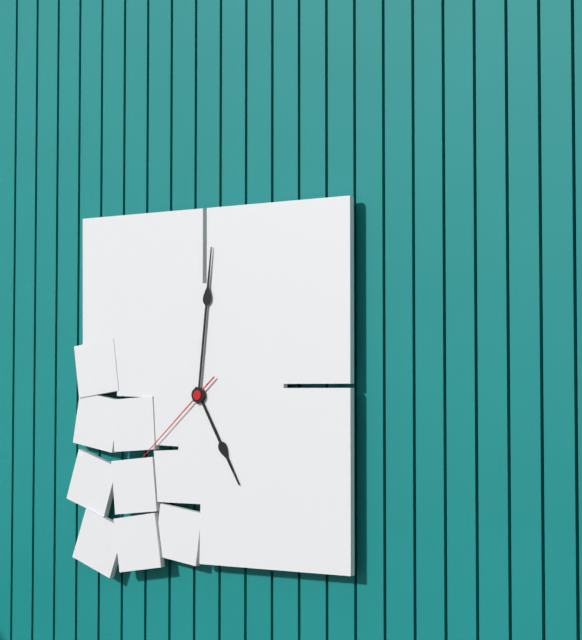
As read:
5.01.38
